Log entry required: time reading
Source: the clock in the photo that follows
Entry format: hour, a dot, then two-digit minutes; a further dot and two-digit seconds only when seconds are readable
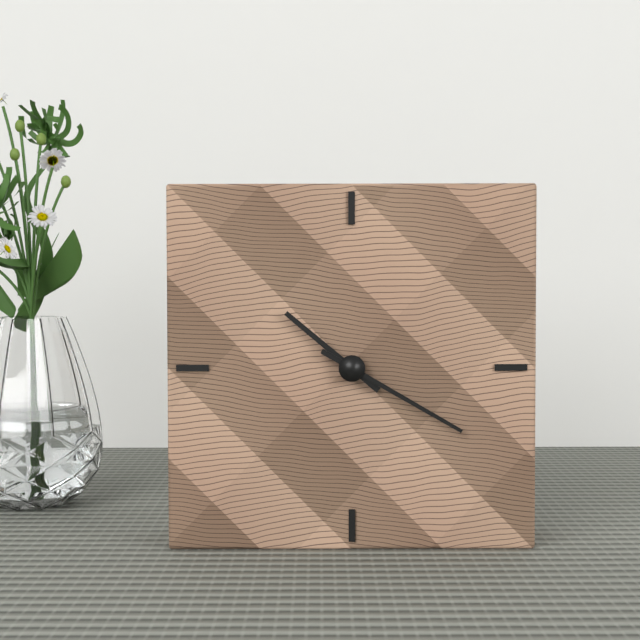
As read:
10.20
